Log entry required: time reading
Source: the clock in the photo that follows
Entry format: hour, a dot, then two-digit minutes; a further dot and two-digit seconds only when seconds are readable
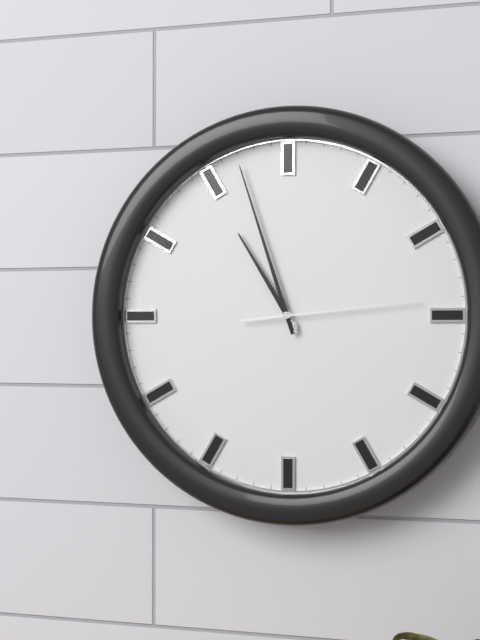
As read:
10.57.14
